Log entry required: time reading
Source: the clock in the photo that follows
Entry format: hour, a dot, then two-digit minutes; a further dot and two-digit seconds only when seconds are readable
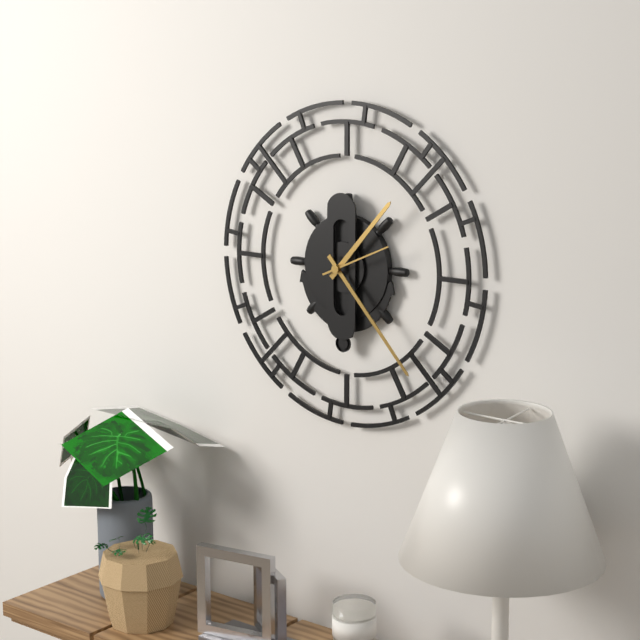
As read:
1.23.11
